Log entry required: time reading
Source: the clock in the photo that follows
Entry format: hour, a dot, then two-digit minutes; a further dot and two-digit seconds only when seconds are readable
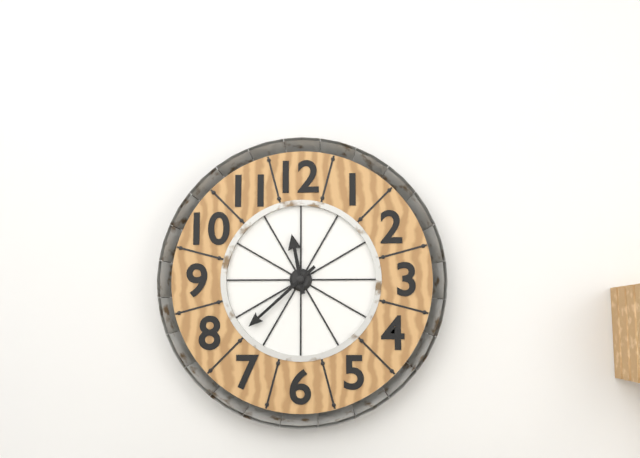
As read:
11.38
